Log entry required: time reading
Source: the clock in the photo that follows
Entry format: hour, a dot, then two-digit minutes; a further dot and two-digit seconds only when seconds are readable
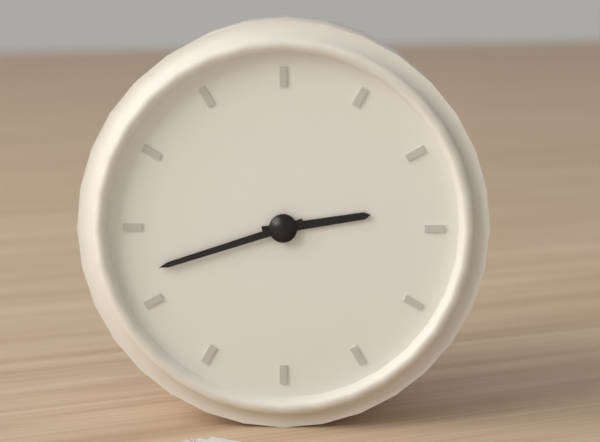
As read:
2.42
